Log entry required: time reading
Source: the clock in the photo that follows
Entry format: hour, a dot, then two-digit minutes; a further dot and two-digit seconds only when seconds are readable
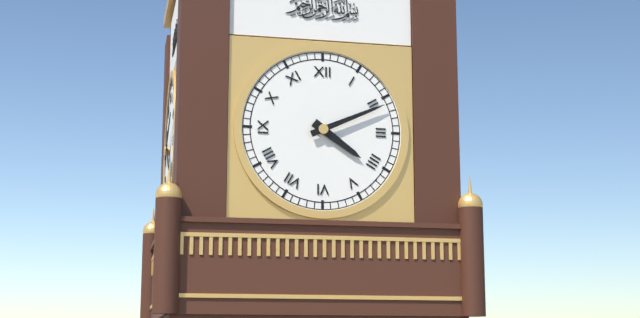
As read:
4.11
